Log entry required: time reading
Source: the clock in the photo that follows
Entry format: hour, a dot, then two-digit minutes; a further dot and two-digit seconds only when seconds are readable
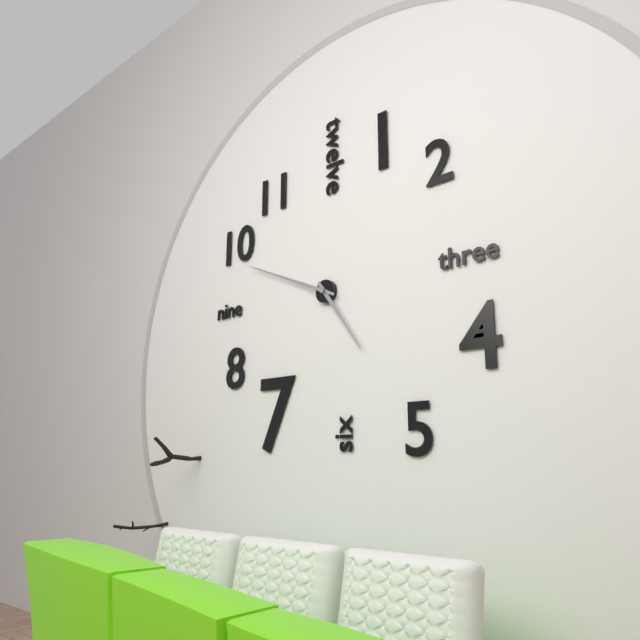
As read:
4.49
